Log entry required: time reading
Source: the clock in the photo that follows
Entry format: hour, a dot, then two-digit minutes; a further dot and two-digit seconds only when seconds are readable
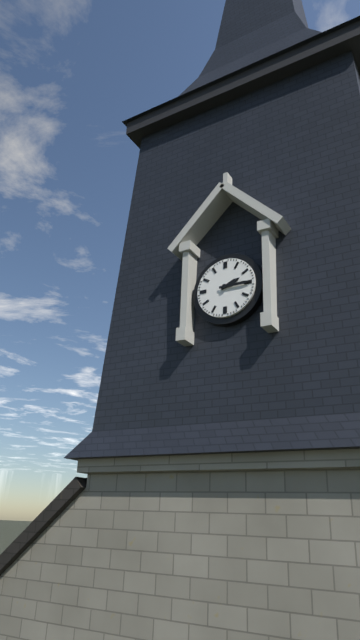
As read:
2.15
